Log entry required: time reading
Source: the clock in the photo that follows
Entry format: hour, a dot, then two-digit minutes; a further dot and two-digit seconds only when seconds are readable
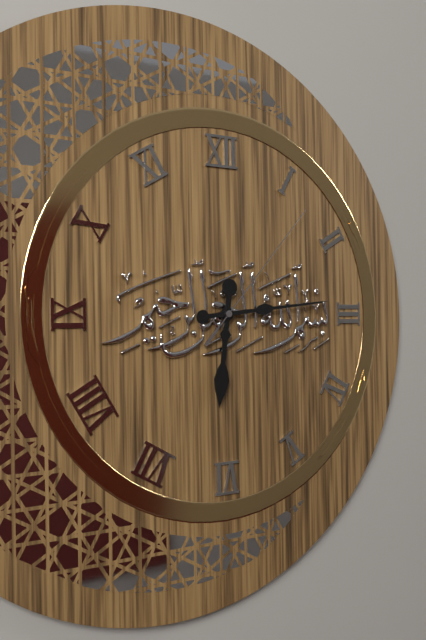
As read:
6.14.07
